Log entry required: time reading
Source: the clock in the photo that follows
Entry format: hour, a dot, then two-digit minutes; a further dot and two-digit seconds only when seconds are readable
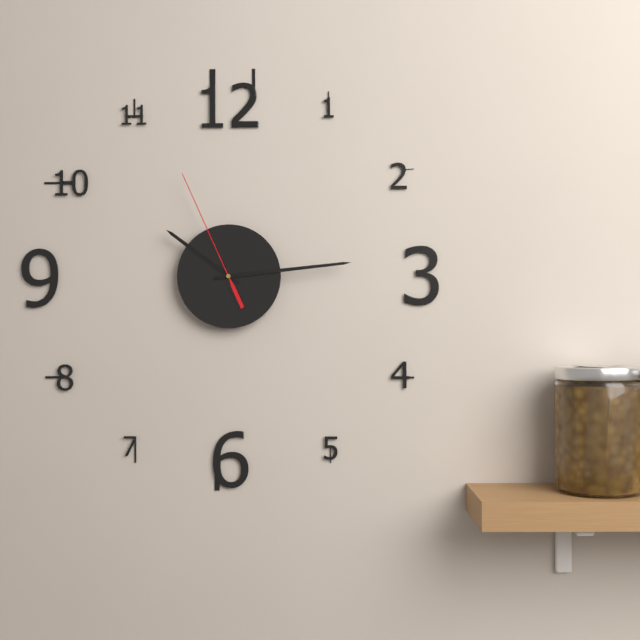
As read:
10.14.56
